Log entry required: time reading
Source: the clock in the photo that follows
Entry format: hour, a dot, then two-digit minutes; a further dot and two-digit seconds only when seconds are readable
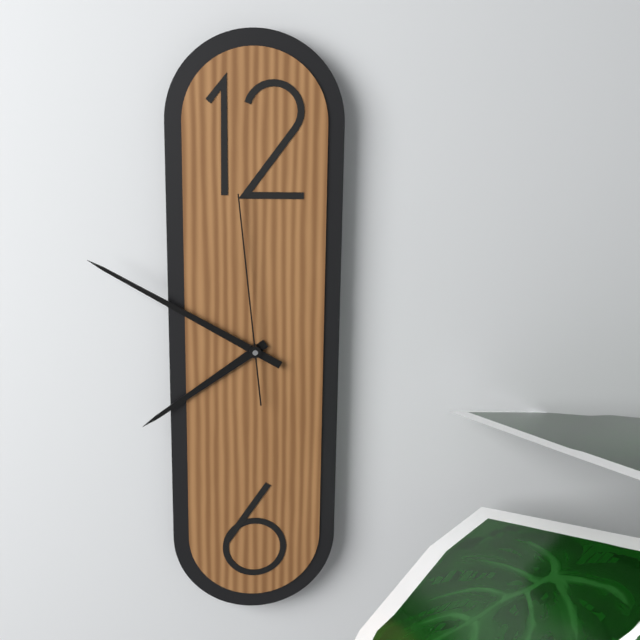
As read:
7.50.59
